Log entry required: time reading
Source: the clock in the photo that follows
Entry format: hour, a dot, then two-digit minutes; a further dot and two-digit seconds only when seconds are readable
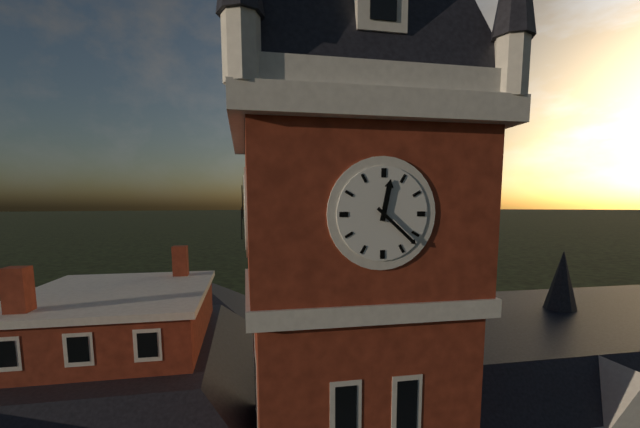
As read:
12.22
